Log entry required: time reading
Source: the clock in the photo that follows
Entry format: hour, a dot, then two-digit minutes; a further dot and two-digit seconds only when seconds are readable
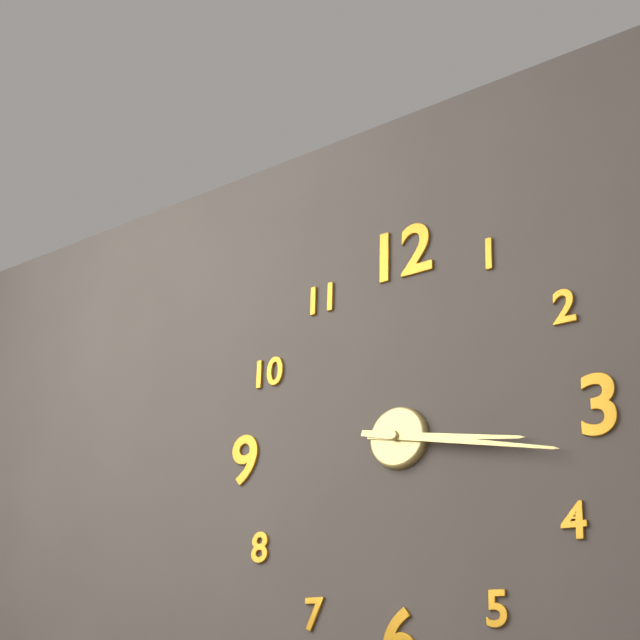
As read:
3.17
